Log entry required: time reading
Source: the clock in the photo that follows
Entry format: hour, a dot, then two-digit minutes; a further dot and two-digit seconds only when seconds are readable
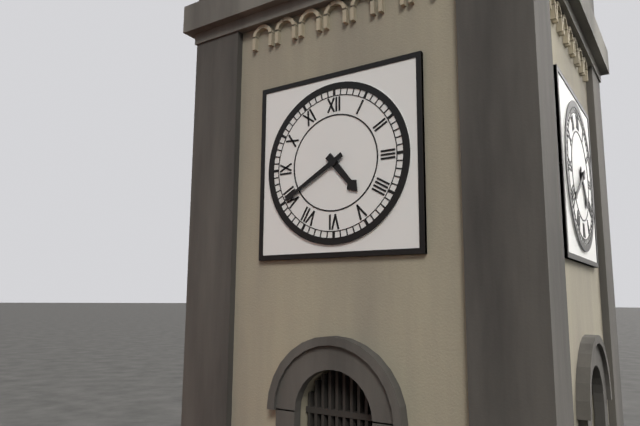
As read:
4.40
